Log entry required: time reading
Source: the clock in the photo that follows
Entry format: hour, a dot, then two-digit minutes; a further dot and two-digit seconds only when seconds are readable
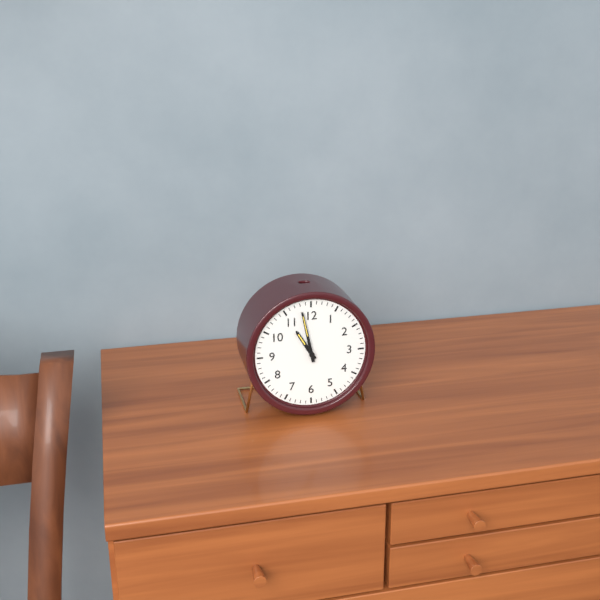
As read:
10.58
